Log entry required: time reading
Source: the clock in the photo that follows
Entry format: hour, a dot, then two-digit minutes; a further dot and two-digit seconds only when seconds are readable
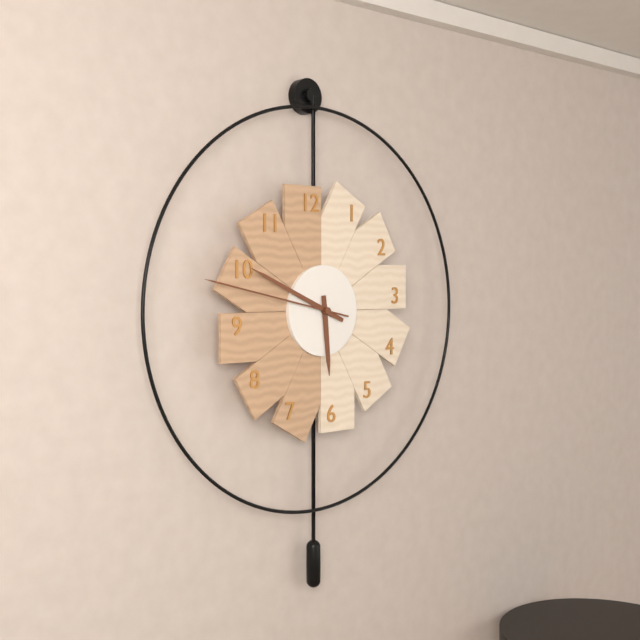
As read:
5.49.47
